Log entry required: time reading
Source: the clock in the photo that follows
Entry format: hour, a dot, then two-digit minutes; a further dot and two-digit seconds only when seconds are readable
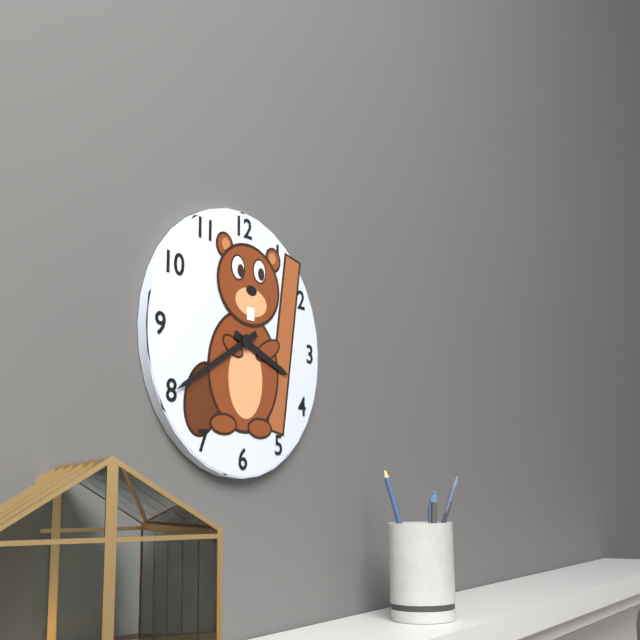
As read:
3.40
